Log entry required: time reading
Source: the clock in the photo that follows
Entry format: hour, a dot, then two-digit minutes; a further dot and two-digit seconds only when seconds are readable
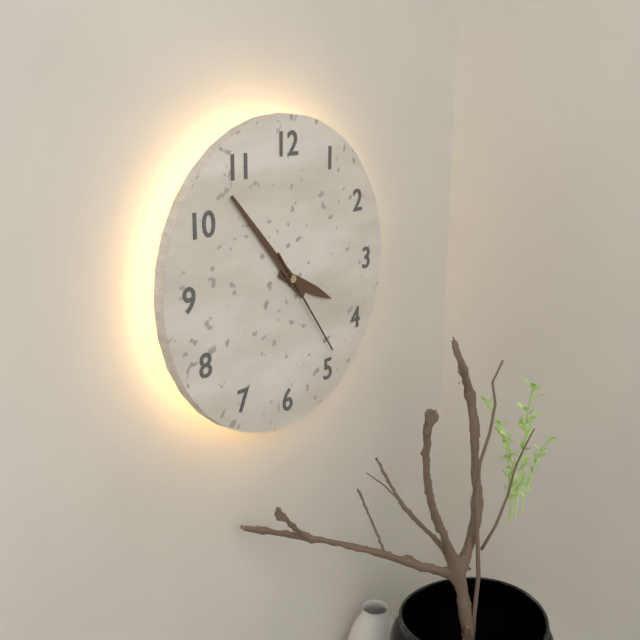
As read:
3.53.24
